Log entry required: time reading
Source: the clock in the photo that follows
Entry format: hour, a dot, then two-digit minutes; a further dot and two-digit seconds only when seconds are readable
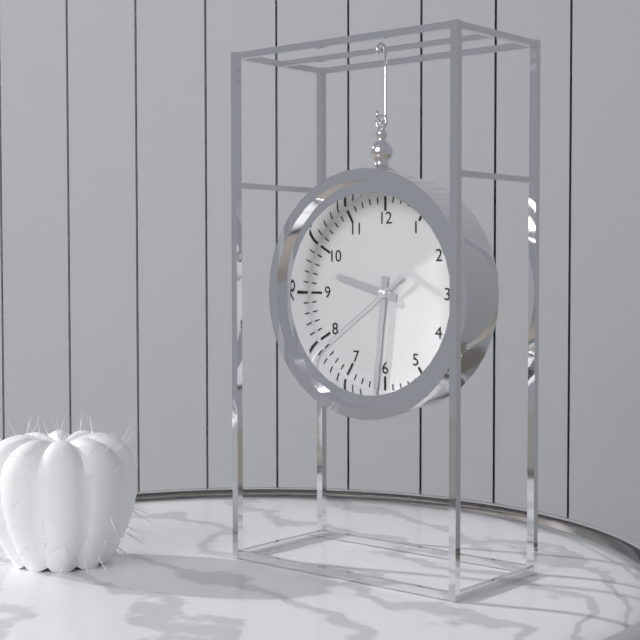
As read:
9.31.39
